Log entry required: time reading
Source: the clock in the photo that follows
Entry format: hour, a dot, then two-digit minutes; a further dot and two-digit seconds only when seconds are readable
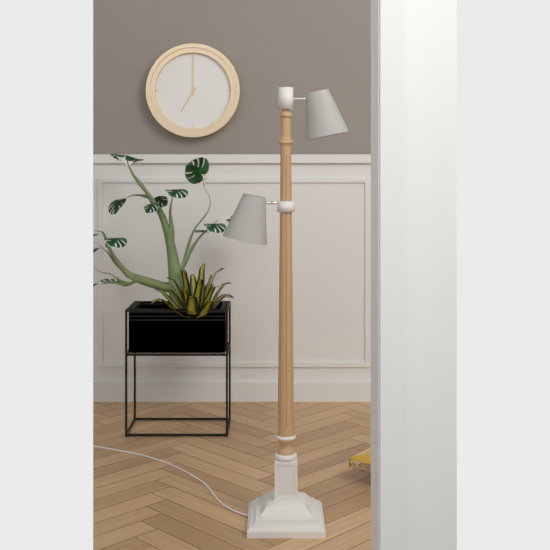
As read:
7.00
